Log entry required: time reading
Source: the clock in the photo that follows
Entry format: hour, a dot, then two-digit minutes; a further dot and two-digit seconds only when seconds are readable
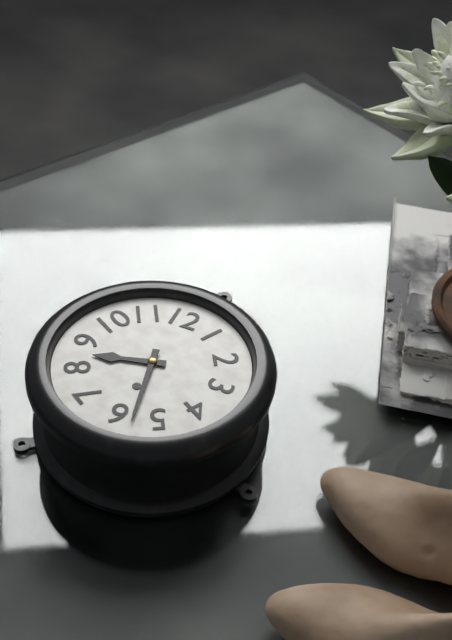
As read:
8.28
